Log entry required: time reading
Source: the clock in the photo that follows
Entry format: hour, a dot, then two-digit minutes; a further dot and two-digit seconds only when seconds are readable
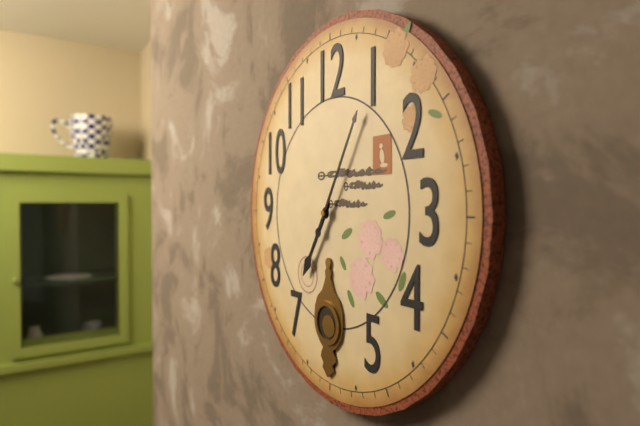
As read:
7.05
